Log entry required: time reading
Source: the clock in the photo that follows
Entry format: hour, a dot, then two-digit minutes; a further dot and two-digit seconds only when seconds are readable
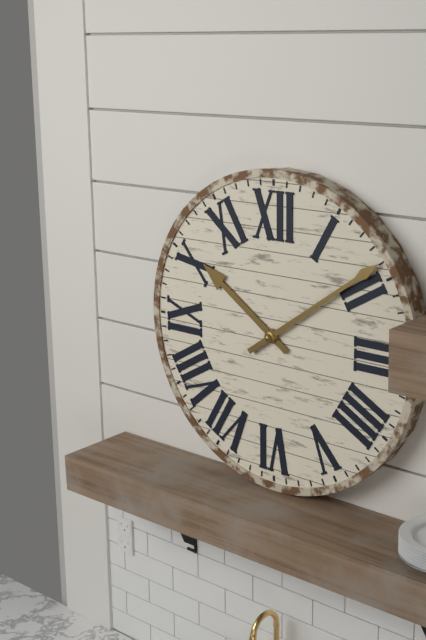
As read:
10.09
